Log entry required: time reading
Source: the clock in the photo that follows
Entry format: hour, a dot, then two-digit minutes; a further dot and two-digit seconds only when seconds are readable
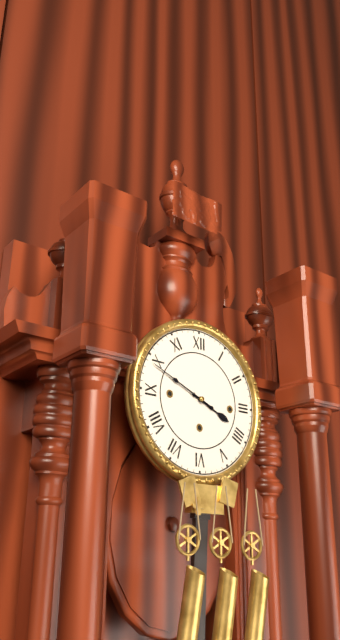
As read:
3.49
